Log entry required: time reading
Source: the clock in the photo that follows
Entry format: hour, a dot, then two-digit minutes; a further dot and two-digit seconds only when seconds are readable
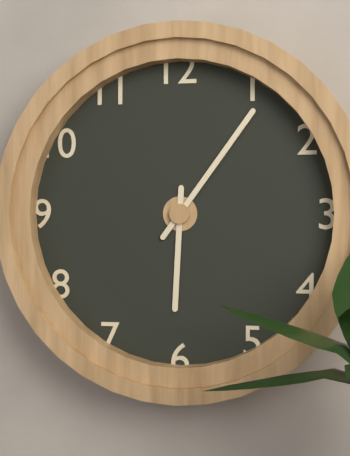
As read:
6.06
